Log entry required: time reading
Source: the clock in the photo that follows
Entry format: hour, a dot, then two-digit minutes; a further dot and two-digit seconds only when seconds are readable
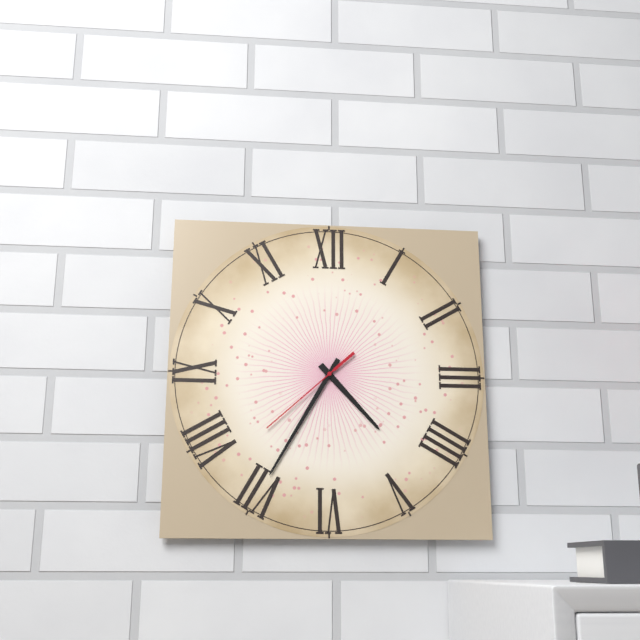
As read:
4.35.38
